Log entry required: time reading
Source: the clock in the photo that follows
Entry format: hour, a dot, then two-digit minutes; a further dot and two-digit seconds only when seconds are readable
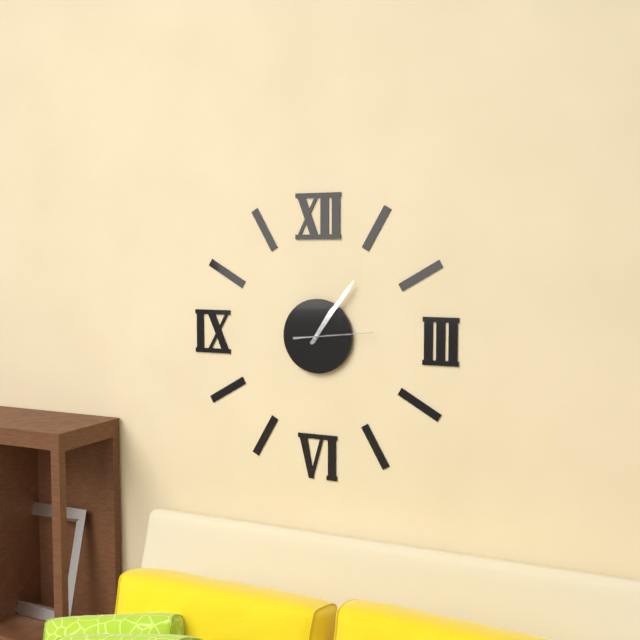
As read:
1.06.14
